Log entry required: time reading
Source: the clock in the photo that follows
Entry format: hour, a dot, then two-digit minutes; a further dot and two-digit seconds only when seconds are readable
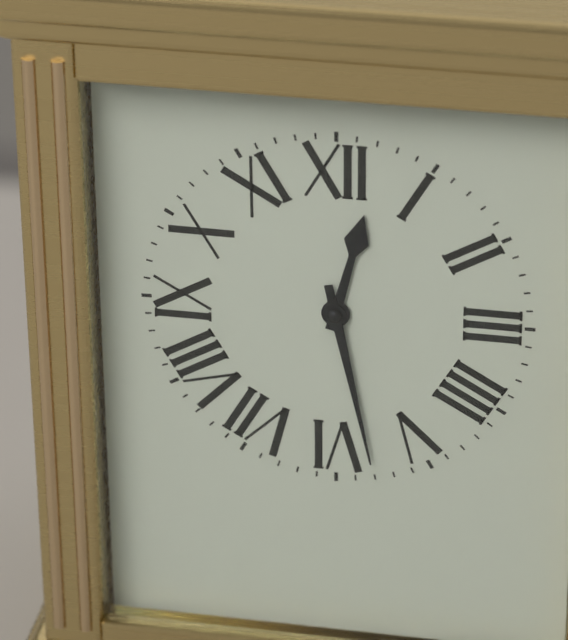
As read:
12.28
